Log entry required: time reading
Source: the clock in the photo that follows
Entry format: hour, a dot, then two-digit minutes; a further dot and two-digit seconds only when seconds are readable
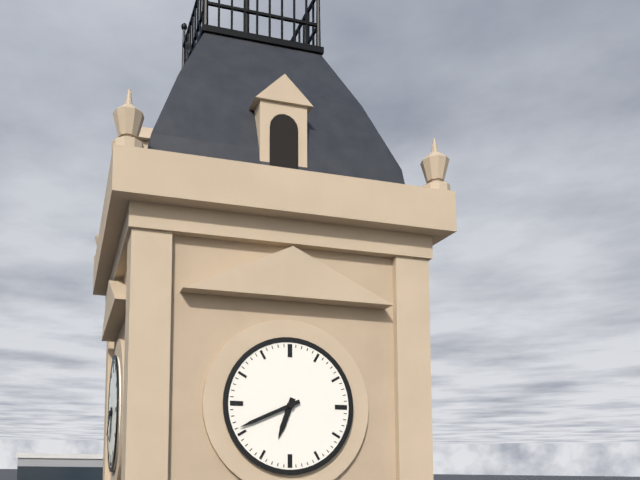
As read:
6.41
